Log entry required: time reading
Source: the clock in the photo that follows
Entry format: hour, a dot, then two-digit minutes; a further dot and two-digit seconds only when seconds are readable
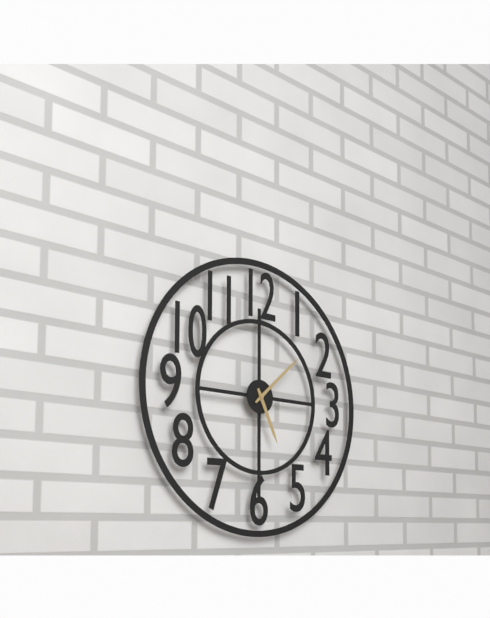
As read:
5.08
